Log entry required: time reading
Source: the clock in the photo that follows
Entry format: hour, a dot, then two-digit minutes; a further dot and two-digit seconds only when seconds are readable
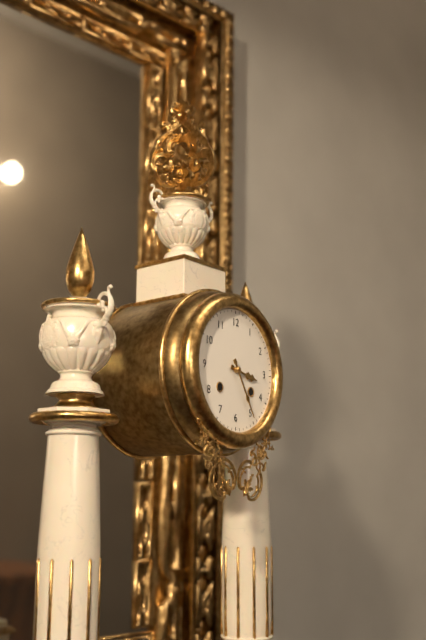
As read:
3.25
